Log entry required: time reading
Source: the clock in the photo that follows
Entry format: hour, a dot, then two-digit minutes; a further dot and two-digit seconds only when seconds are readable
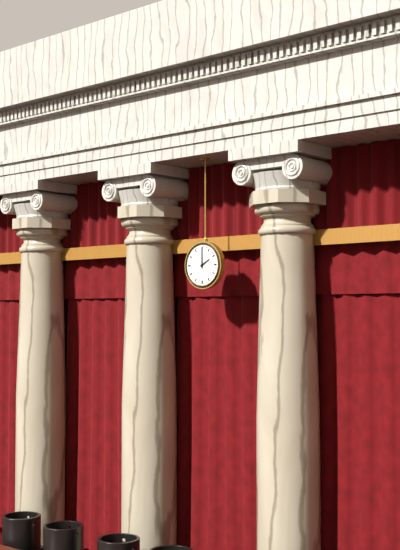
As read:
2.00
